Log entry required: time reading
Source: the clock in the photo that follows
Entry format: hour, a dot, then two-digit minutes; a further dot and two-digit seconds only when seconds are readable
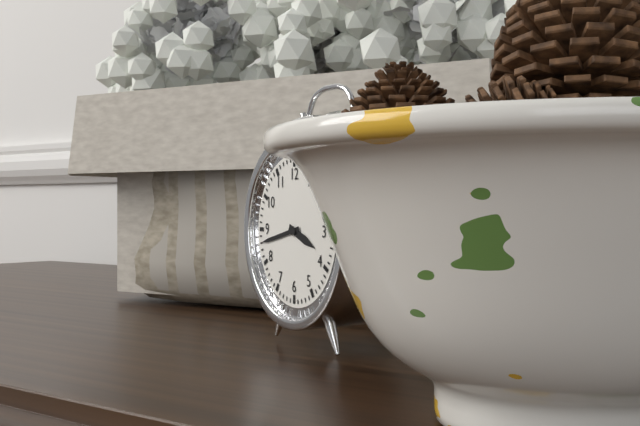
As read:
3.43
